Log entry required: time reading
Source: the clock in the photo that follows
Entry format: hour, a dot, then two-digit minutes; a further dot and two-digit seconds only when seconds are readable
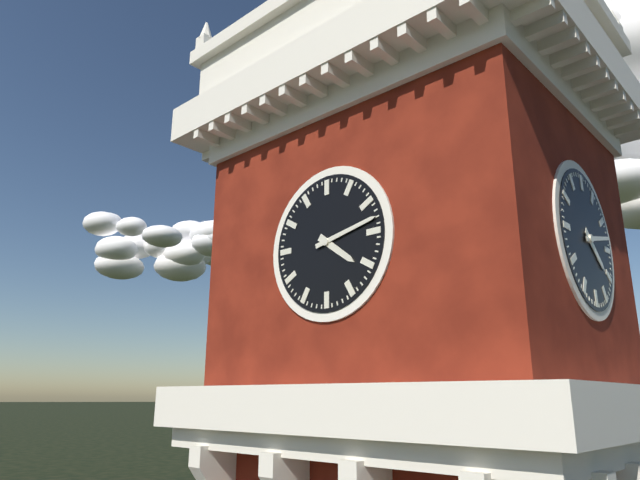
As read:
4.13
